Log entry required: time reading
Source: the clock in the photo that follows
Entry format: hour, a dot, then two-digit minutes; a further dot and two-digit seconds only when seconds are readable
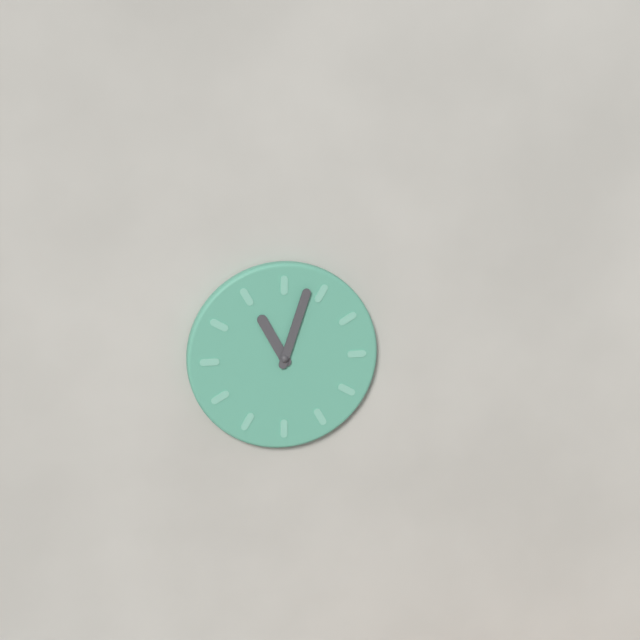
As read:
11.03
